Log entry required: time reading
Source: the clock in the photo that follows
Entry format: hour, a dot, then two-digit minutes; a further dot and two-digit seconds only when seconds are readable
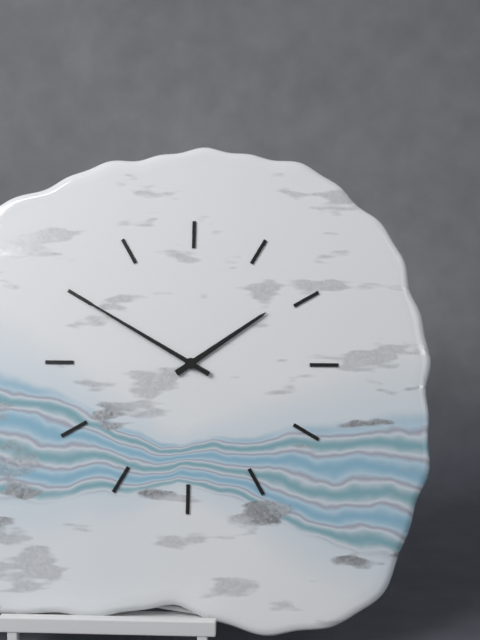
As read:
1.50
